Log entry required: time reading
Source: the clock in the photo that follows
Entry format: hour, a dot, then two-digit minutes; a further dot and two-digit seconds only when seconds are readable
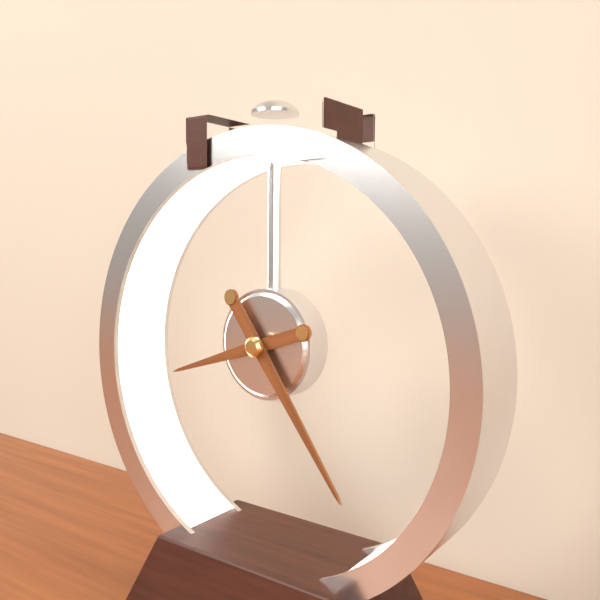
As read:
8.24
